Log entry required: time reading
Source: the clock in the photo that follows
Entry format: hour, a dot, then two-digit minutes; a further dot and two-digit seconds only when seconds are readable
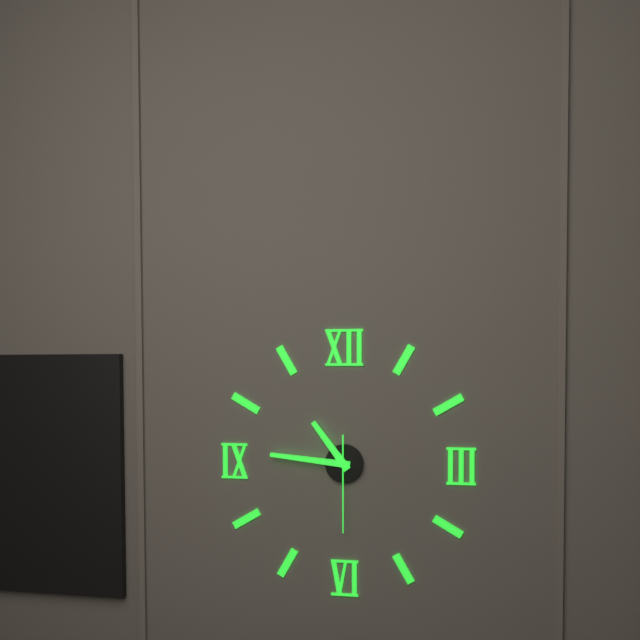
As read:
10.46.30
